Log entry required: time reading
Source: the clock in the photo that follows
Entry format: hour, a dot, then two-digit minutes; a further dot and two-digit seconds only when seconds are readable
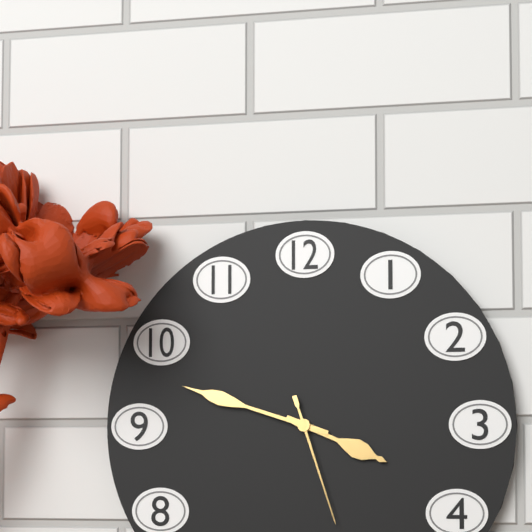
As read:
3.48.27
